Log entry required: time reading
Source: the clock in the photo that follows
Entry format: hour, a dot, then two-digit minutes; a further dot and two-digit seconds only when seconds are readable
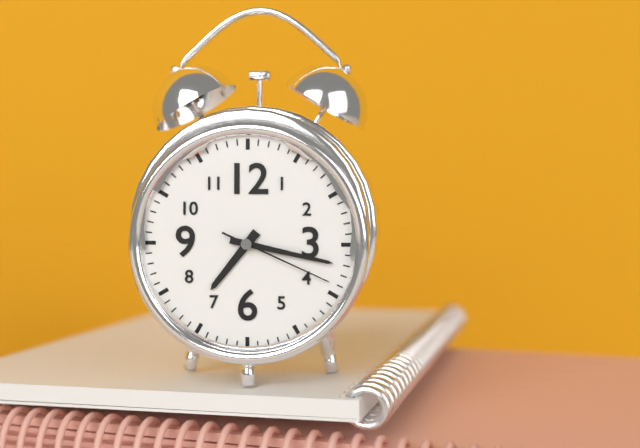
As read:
7.17.19
